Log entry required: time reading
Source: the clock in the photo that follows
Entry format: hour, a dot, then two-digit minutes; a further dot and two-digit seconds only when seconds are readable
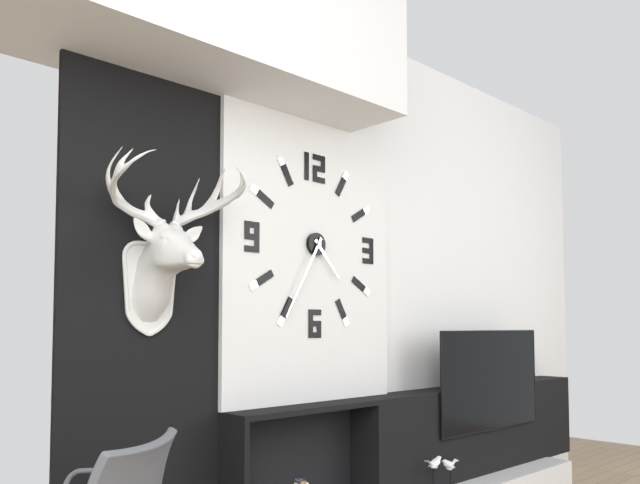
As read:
4.35
